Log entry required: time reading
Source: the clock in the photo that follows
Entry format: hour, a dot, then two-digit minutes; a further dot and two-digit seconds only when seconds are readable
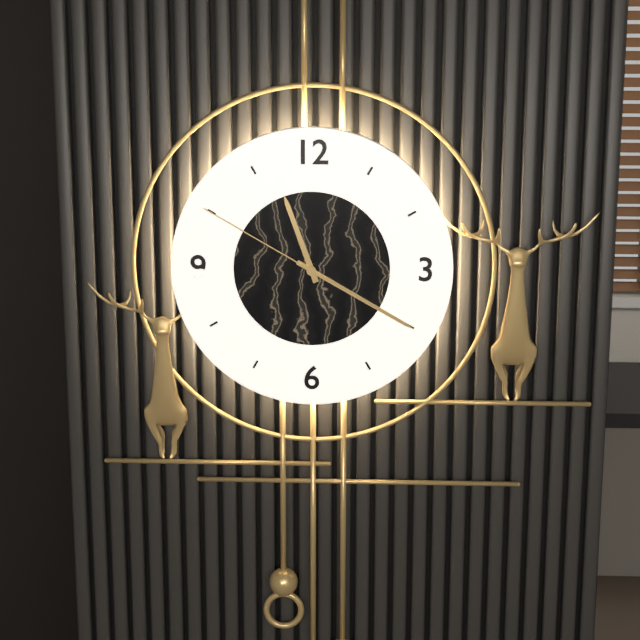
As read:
11.20.50
